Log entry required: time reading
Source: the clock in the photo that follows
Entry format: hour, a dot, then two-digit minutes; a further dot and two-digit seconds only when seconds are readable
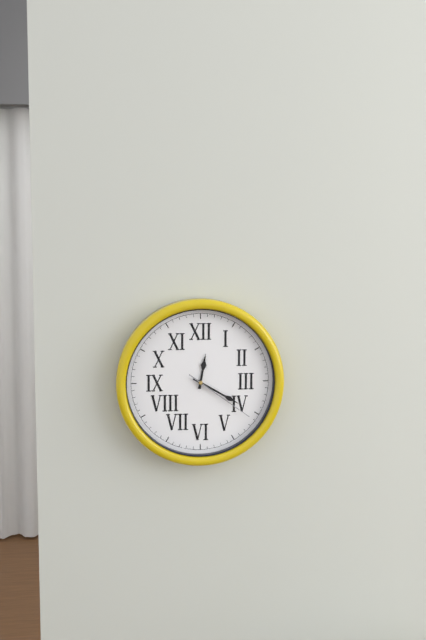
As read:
12.20.21
